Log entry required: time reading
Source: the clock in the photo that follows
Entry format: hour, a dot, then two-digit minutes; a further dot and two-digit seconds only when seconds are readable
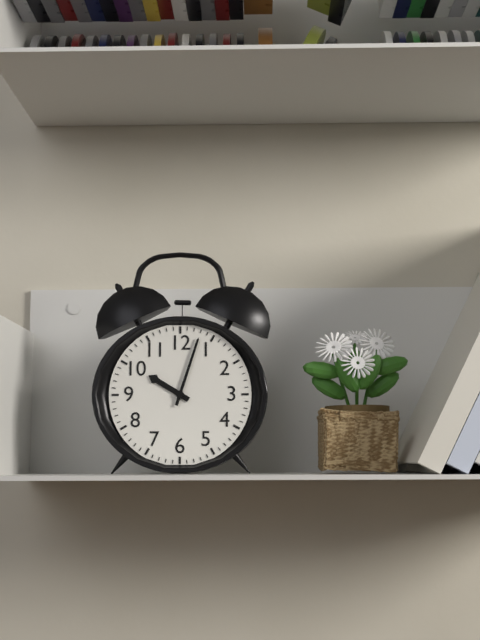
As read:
10.03
